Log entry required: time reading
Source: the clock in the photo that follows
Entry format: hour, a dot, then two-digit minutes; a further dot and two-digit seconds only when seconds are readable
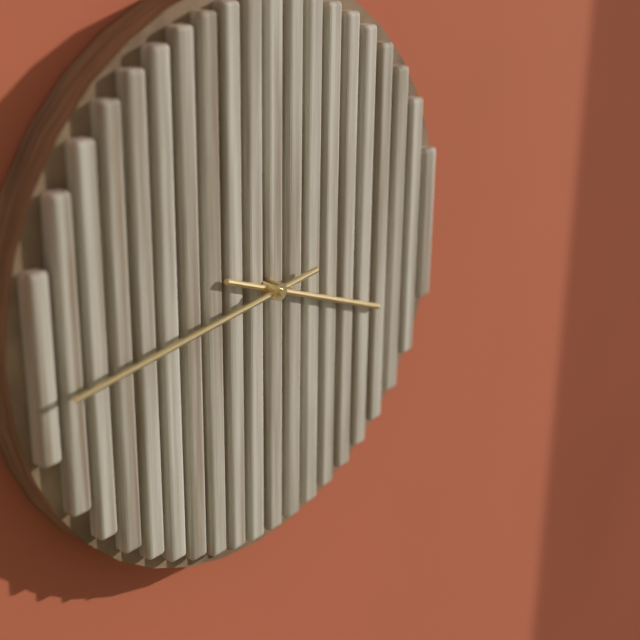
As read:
3.44
